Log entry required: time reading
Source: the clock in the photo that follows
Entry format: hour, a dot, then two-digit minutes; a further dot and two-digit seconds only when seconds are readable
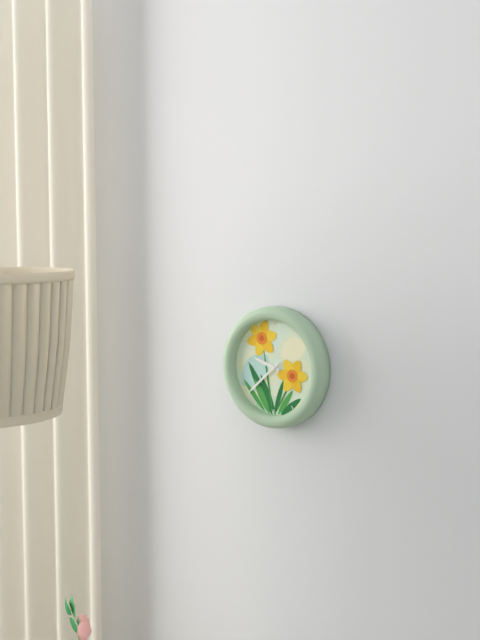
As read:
9.38
